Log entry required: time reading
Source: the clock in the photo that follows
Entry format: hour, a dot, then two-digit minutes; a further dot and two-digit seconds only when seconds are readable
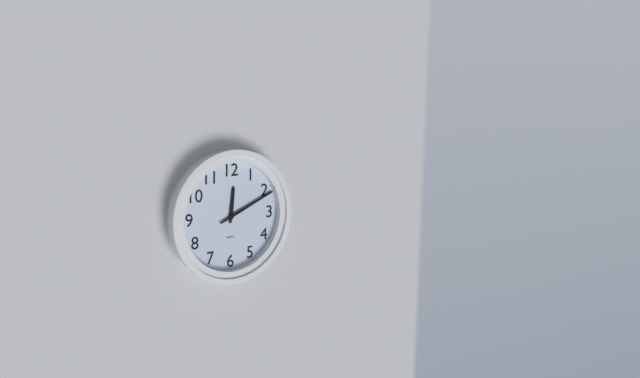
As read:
12.11
